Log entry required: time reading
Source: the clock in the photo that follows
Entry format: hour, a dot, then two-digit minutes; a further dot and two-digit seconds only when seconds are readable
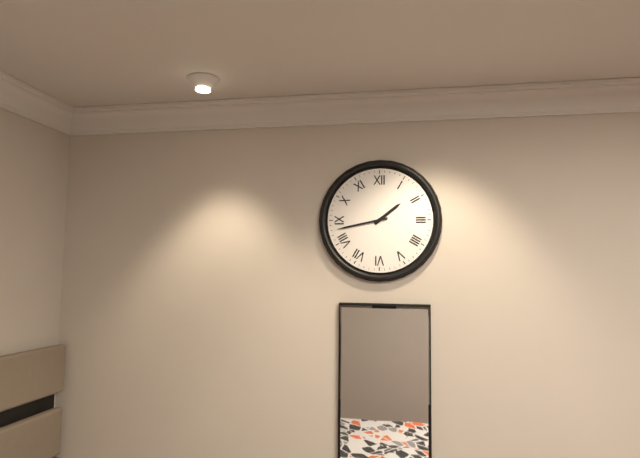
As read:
1.43
